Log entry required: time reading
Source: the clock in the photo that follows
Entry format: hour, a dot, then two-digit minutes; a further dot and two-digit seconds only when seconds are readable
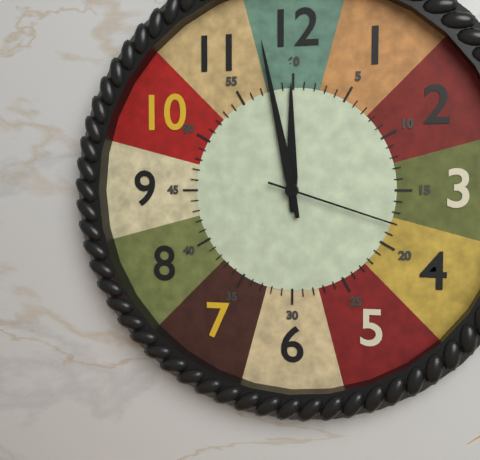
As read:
11.58.18
